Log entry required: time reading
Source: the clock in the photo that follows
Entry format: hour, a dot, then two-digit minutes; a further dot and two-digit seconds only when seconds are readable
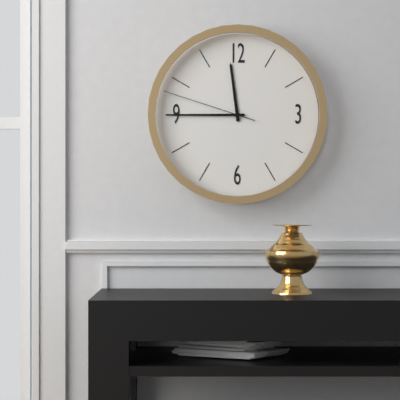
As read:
11.45.48
